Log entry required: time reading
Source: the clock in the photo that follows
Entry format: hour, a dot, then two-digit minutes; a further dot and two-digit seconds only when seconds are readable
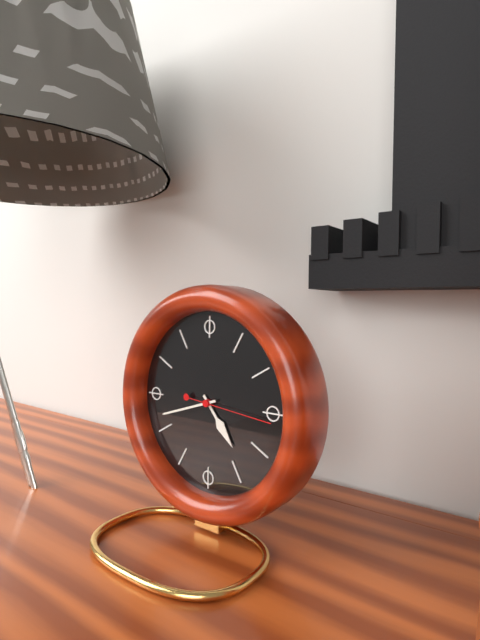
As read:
4.42.16
